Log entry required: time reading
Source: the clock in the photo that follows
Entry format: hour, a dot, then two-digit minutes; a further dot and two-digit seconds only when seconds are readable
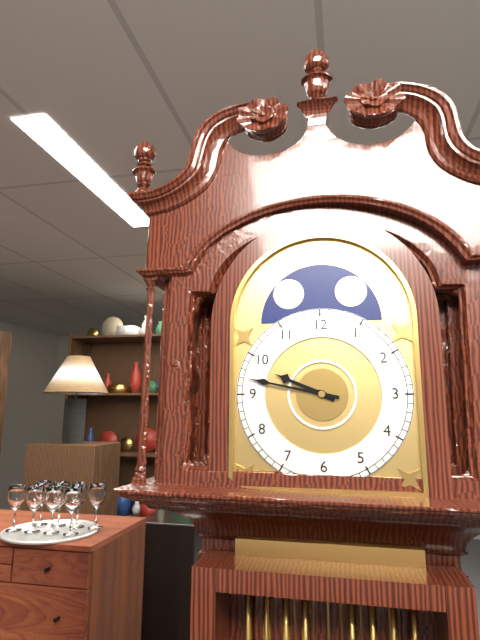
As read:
9.47
